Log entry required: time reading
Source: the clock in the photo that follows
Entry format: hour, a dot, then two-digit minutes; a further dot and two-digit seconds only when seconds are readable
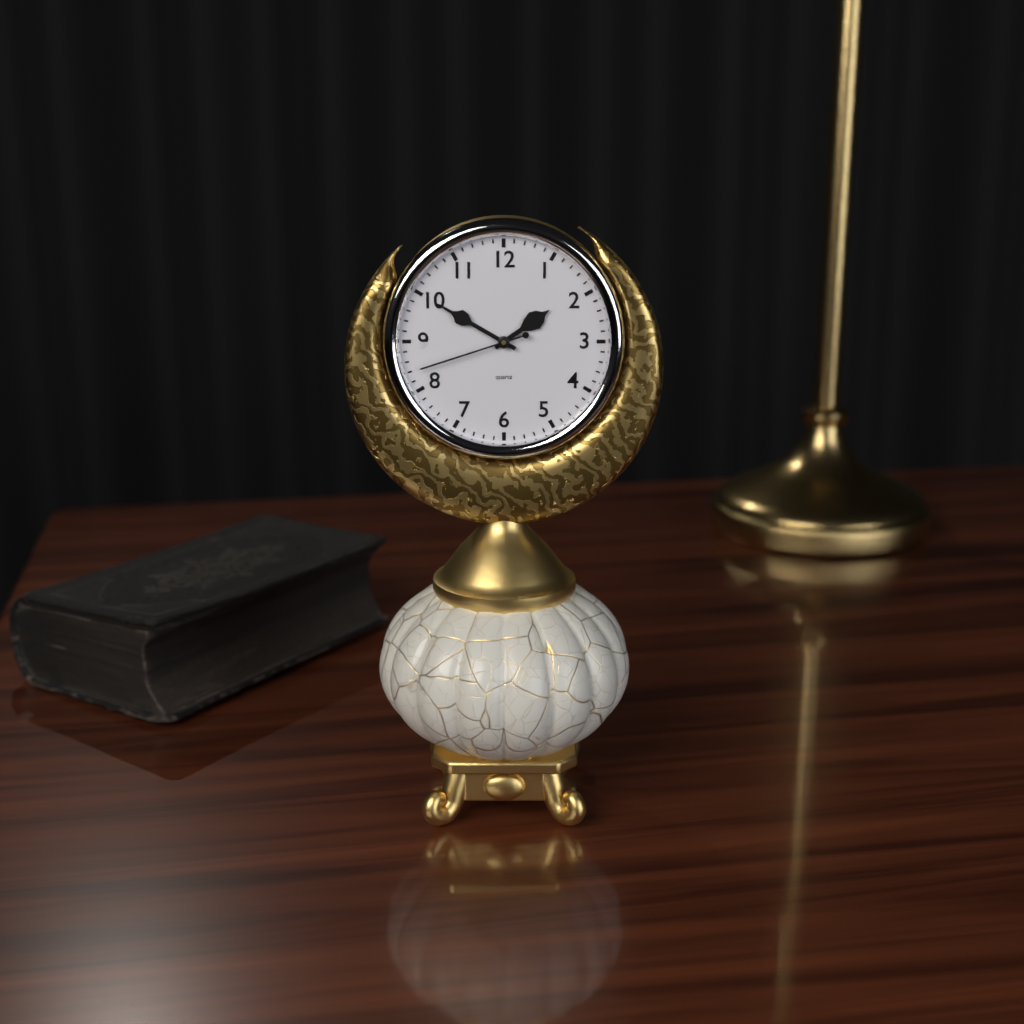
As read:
1.50.42
